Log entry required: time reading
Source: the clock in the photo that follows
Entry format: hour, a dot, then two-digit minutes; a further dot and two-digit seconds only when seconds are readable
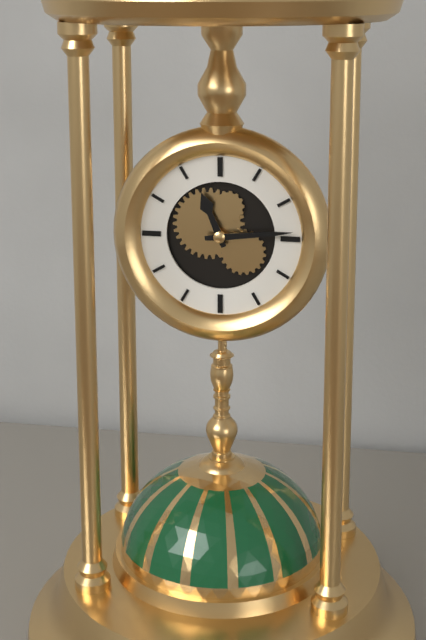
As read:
11.14
